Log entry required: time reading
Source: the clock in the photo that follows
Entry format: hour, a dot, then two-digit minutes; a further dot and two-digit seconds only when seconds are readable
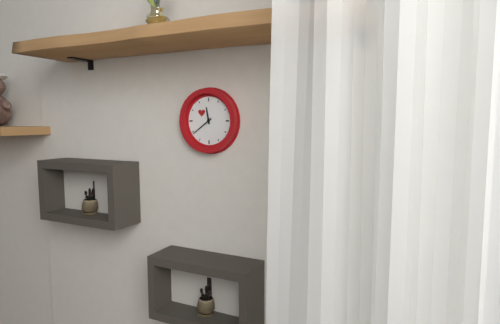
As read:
11.39
